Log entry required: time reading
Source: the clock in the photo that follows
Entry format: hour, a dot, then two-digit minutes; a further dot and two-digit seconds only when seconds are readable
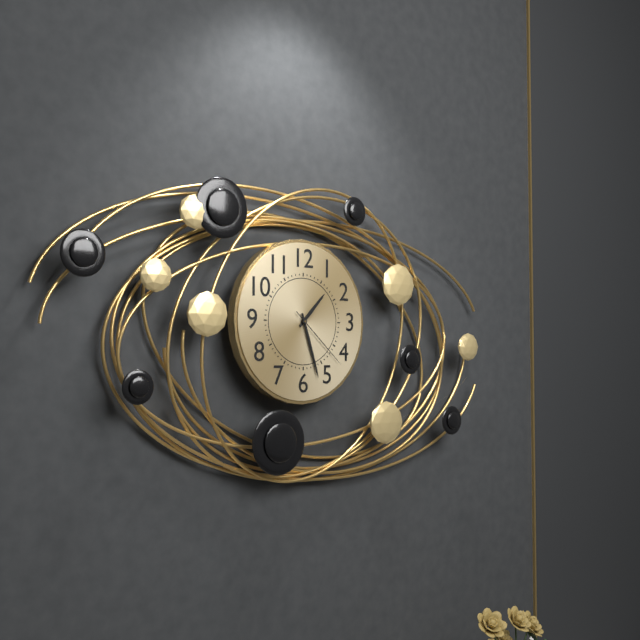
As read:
1.27.22
